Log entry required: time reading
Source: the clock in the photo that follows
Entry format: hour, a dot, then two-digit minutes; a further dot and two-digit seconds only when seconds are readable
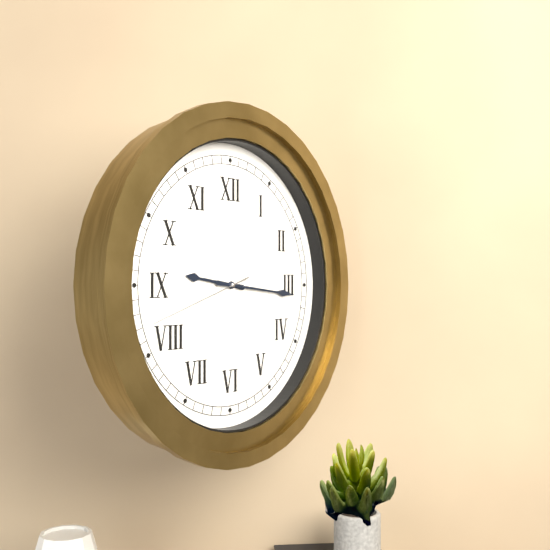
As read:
9.16.42
